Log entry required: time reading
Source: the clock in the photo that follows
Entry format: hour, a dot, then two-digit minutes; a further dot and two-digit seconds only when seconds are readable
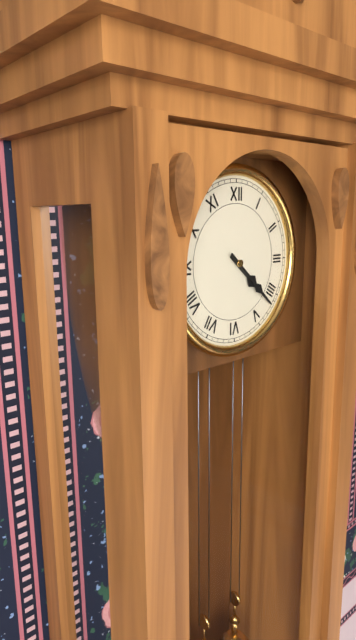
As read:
4.22
